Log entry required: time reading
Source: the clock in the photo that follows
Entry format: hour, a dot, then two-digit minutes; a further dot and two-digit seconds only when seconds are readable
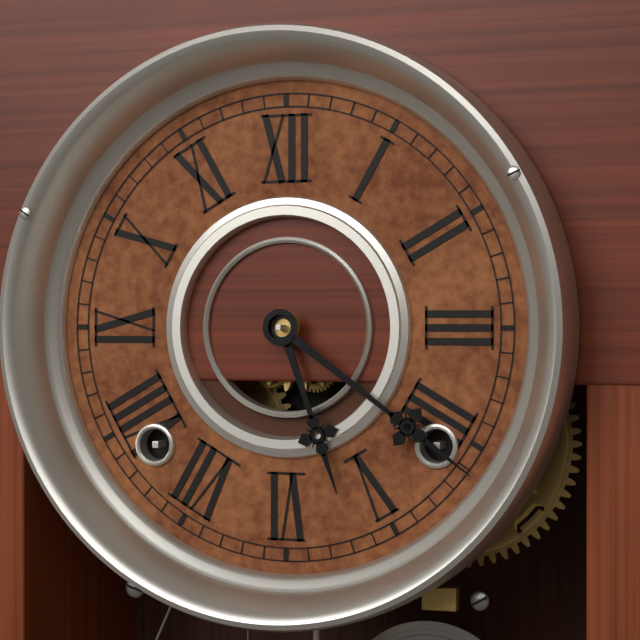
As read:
5.21
